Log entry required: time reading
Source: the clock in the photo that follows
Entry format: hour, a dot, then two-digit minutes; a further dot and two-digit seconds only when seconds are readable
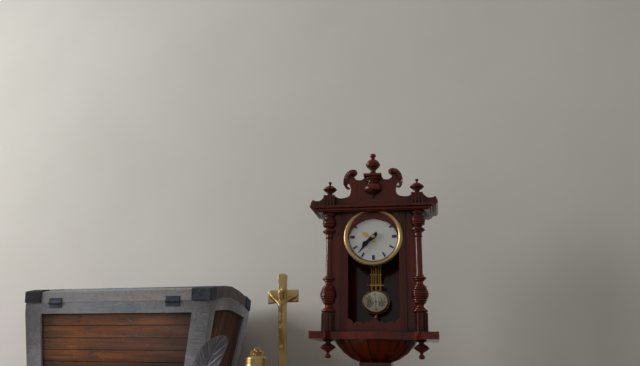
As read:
7.37
